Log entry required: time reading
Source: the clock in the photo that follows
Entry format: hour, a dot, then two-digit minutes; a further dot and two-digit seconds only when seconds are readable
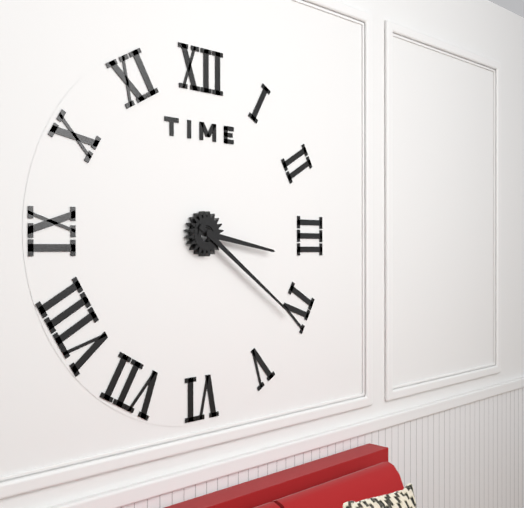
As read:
3.21
